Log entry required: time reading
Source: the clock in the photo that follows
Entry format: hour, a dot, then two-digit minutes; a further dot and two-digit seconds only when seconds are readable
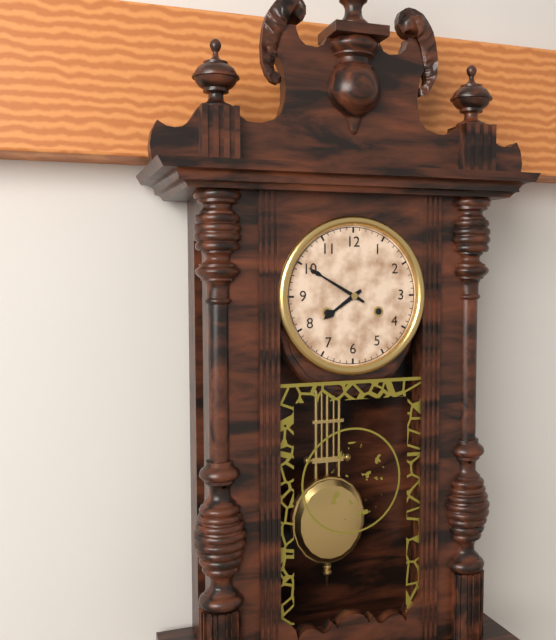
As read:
7.50
